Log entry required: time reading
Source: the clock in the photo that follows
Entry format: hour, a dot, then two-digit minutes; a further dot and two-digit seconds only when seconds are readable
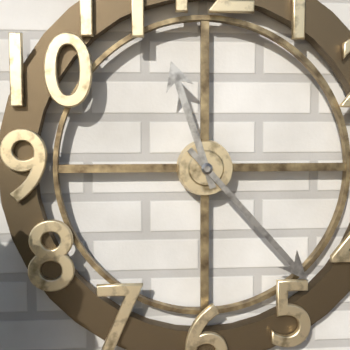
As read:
11.23
